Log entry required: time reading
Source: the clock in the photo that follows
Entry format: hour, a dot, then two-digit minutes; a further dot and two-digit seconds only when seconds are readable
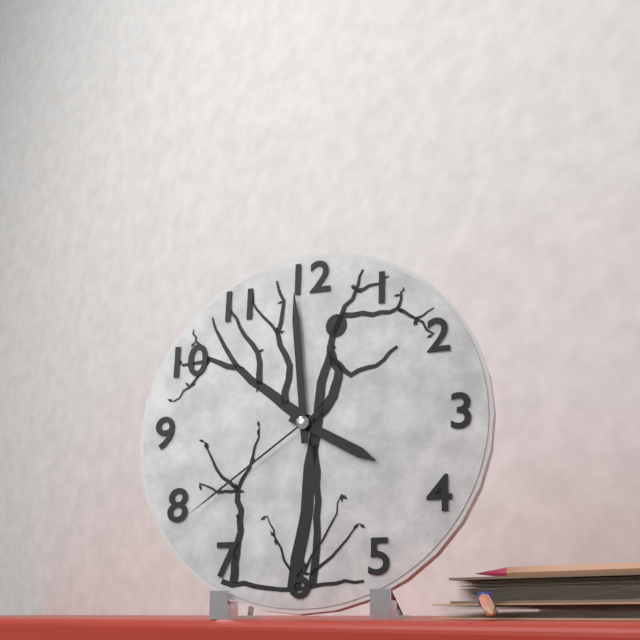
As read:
3.59.39
